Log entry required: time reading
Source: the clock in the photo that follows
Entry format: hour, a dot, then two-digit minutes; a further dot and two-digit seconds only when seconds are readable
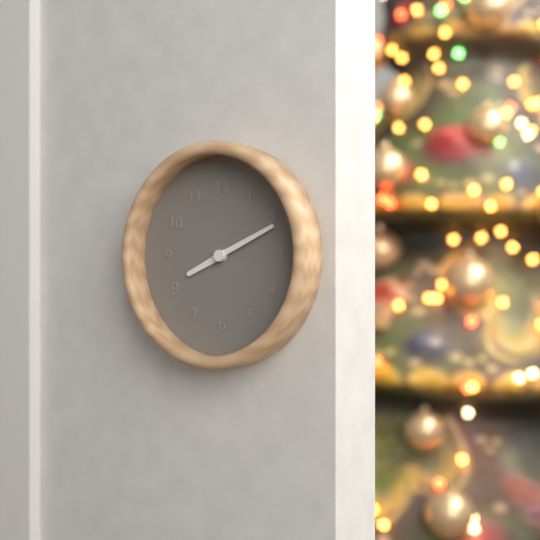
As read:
8.11
